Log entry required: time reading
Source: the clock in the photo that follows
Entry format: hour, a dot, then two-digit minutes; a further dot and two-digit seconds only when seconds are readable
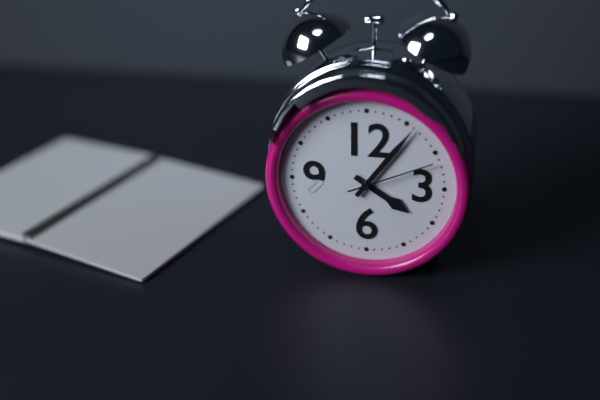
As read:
4.06.11
